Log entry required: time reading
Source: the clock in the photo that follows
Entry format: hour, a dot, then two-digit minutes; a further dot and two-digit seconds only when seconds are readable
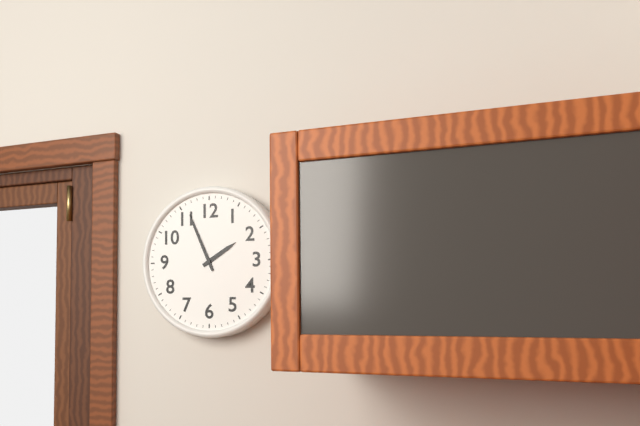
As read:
1.56
